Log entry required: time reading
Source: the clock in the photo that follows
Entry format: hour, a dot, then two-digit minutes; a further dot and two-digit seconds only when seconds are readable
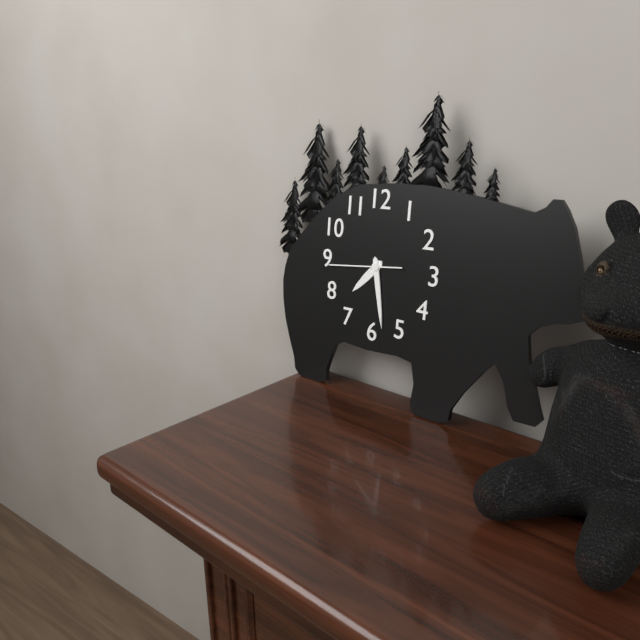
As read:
7.28.44
